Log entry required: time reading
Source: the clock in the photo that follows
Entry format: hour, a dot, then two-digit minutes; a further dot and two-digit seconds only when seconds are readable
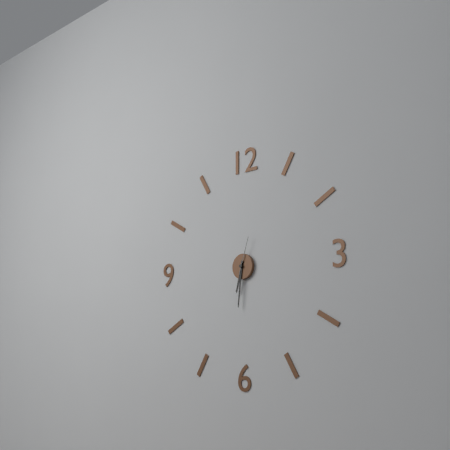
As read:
6.31
